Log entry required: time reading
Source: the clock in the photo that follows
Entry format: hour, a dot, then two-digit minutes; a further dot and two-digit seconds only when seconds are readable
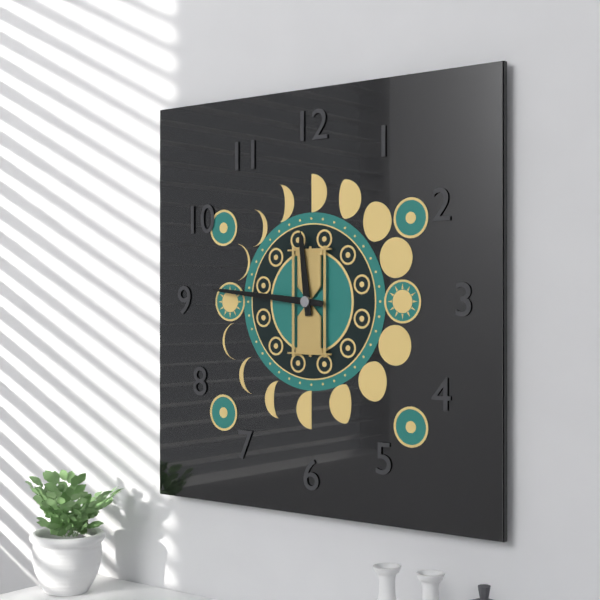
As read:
11.46
